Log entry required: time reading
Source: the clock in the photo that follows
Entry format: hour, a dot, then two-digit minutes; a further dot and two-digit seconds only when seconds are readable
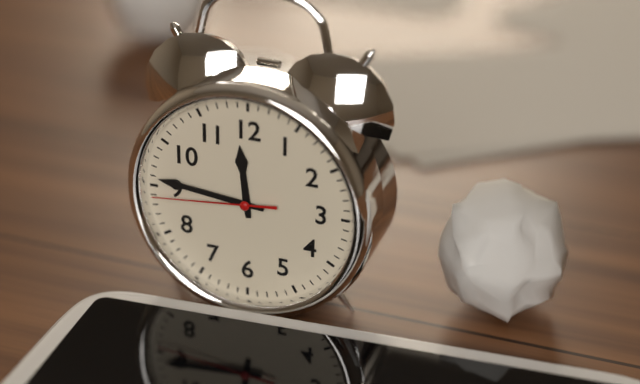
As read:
11.46.44
